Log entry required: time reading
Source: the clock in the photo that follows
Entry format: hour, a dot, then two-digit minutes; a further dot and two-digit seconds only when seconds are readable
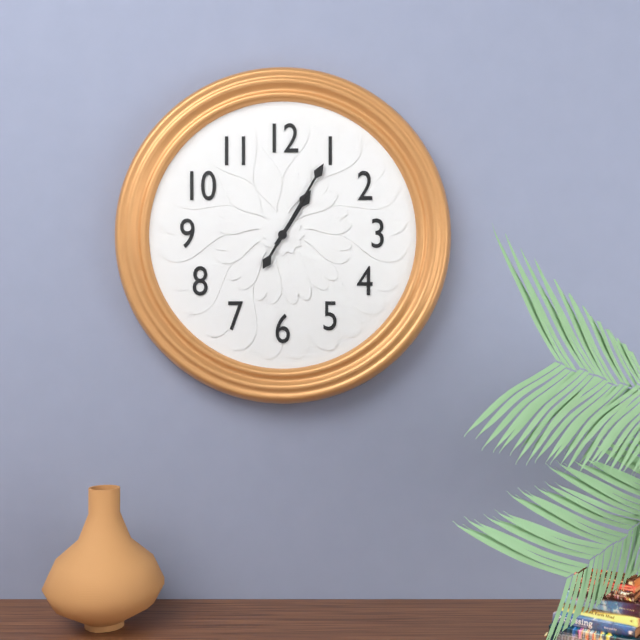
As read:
1.05
